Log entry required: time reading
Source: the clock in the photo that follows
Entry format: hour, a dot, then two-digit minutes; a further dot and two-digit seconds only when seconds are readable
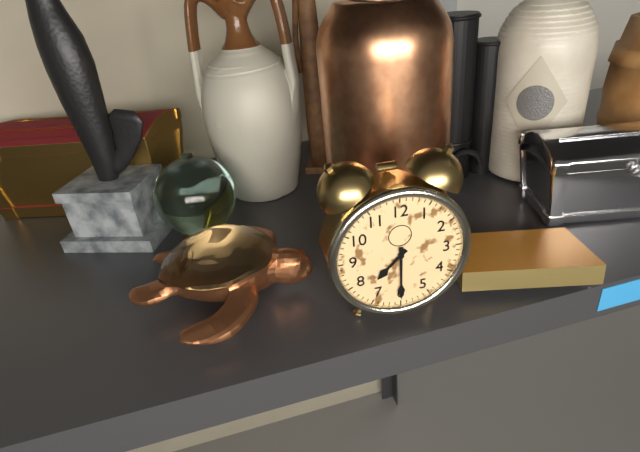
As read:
7.30
